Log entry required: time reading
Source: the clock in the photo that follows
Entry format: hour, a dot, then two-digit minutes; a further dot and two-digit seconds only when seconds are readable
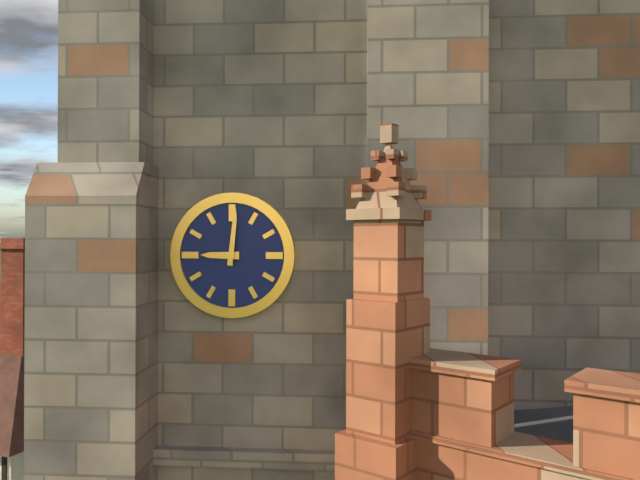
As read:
9.01
